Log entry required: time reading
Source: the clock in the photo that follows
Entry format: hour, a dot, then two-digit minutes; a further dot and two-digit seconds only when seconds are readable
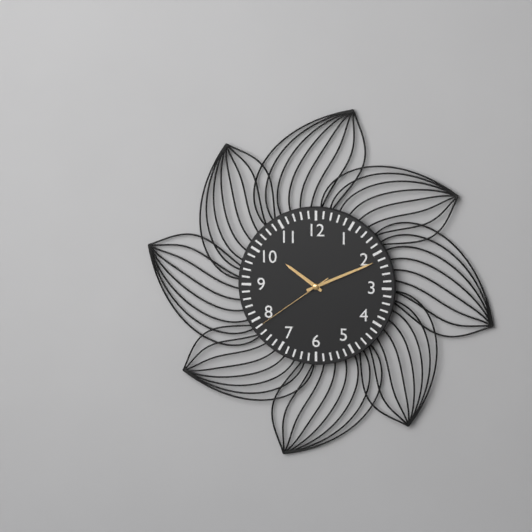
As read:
10.11.39
